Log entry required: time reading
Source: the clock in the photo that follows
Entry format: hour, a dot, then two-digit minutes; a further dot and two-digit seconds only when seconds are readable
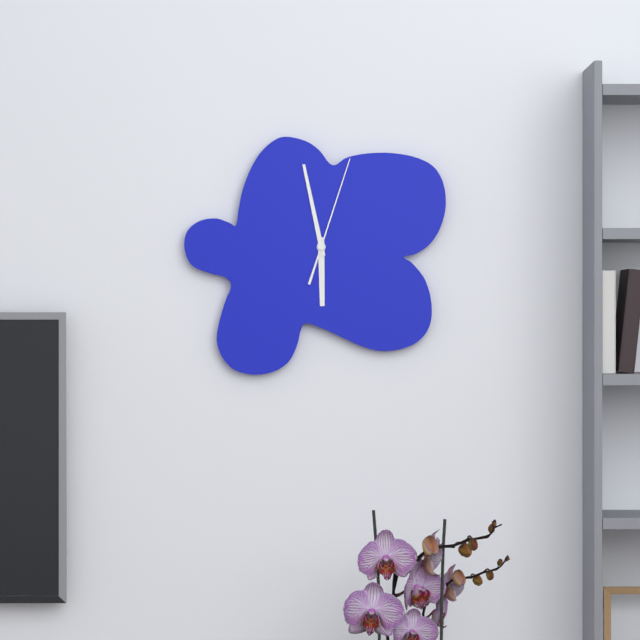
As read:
5.58.03
